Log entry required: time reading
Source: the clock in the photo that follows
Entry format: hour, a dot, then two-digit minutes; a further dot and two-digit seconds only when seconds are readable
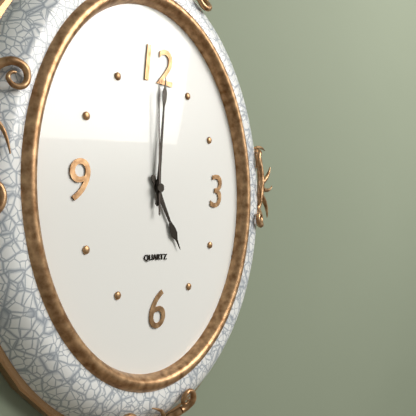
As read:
5.01.00
